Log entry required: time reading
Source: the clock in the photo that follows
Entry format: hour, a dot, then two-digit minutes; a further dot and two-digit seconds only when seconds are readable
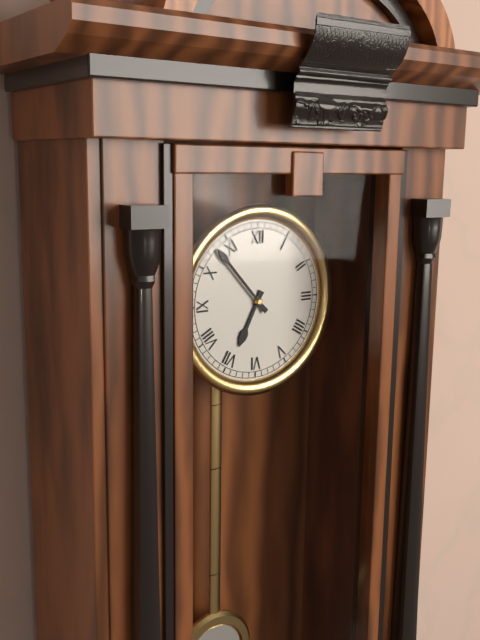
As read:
6.53
